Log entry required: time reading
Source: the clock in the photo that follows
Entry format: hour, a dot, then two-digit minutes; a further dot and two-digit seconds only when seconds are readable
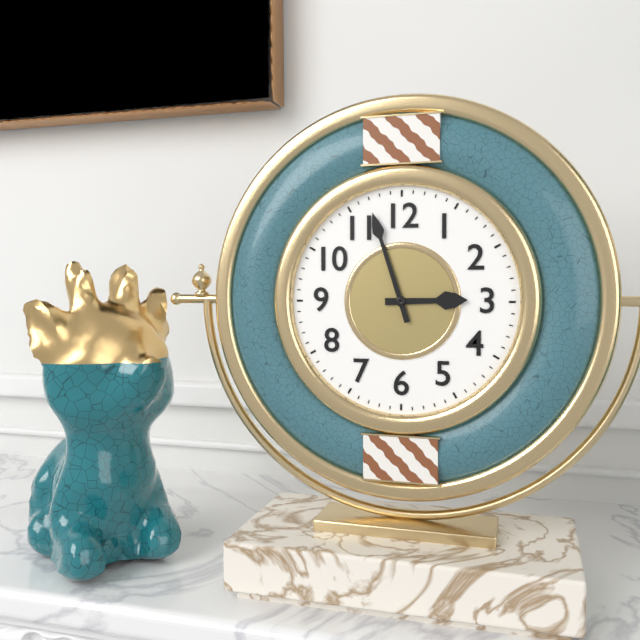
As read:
2.57
